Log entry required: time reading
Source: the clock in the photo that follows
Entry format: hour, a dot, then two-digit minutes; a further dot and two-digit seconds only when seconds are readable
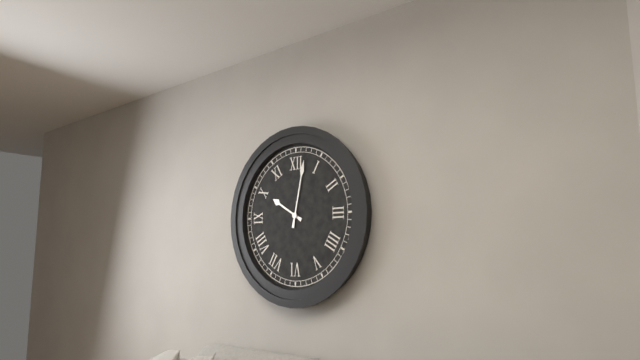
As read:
10.02
